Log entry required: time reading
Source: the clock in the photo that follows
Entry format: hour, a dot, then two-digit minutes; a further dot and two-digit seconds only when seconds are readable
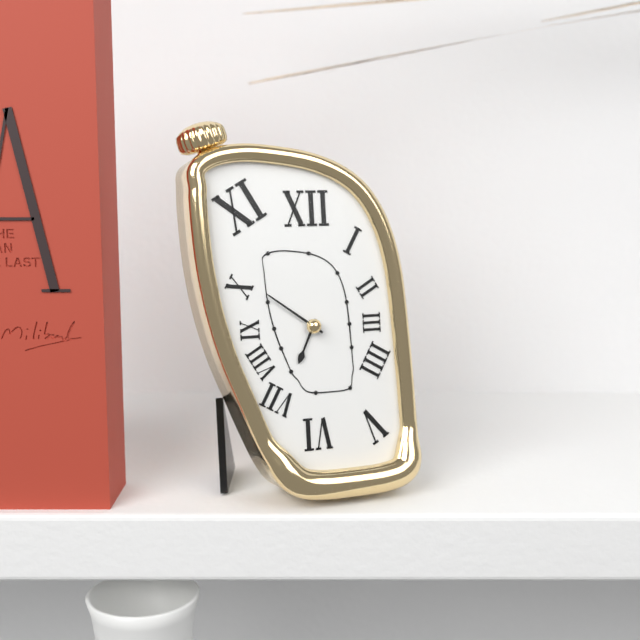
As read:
6.51
